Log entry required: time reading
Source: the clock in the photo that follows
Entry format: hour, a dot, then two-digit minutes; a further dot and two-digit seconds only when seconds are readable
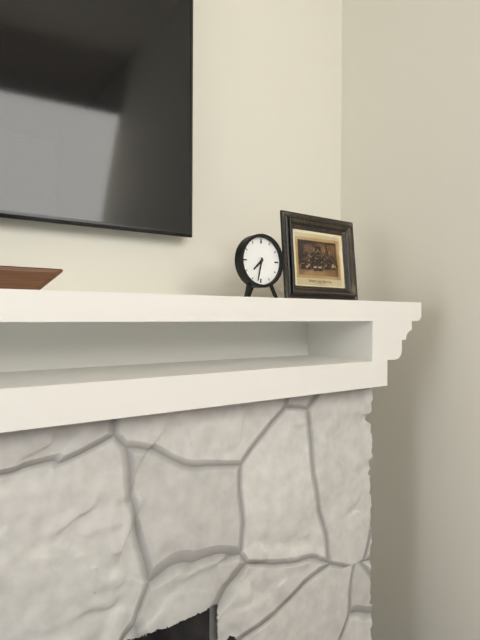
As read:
7.32
